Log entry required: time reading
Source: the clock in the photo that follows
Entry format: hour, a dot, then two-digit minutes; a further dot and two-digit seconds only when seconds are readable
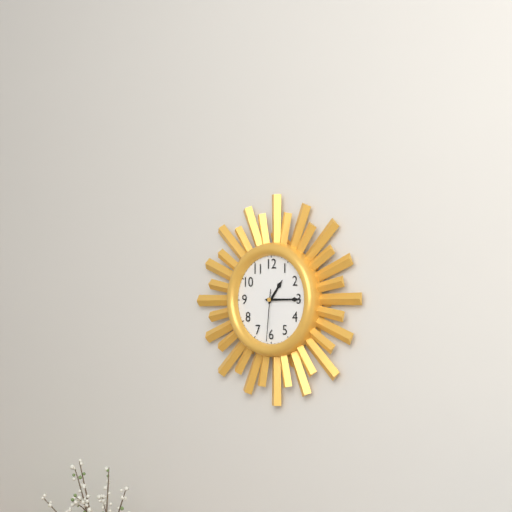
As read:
1.15.31
